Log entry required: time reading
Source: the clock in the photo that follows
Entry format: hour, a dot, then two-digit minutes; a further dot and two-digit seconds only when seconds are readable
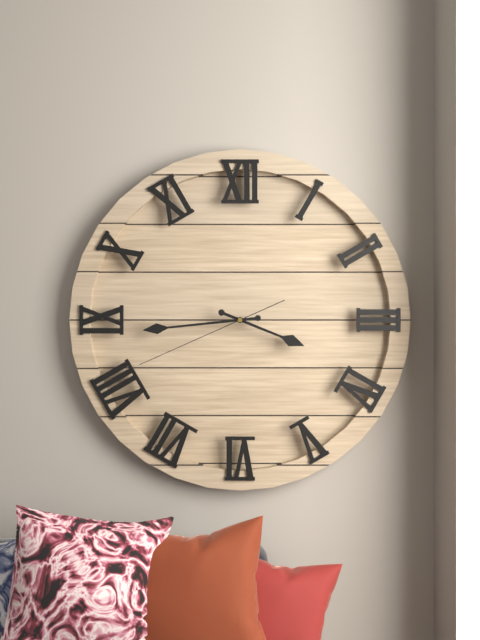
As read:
3.44.41
